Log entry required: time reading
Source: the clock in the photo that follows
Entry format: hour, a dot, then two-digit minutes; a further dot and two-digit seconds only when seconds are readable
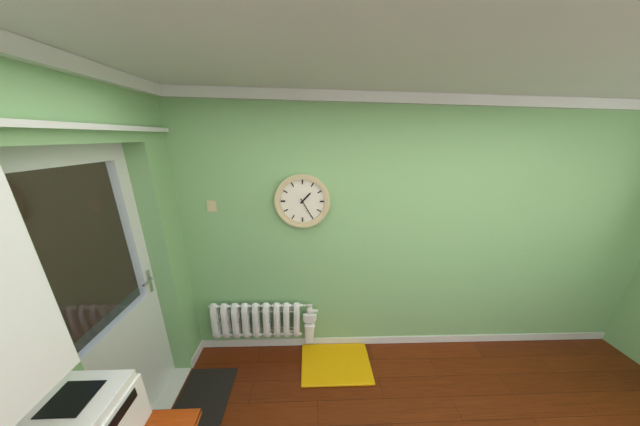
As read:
1.25
